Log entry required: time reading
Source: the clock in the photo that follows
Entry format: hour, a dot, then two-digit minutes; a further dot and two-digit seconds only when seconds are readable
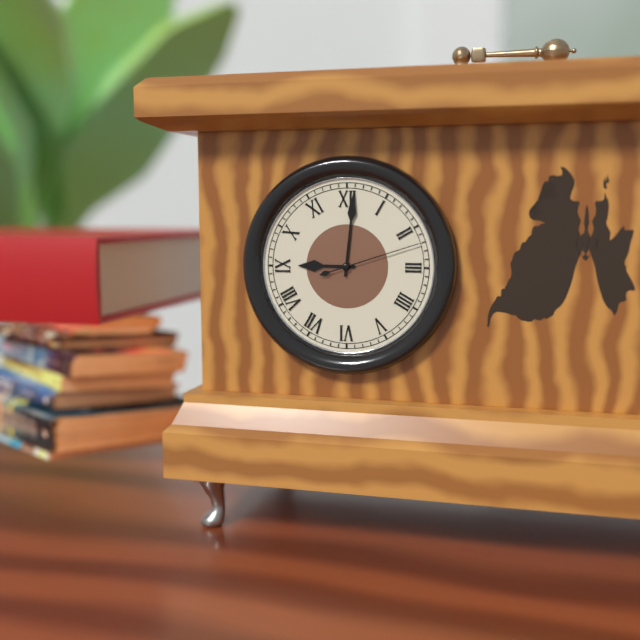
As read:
9.01.12
